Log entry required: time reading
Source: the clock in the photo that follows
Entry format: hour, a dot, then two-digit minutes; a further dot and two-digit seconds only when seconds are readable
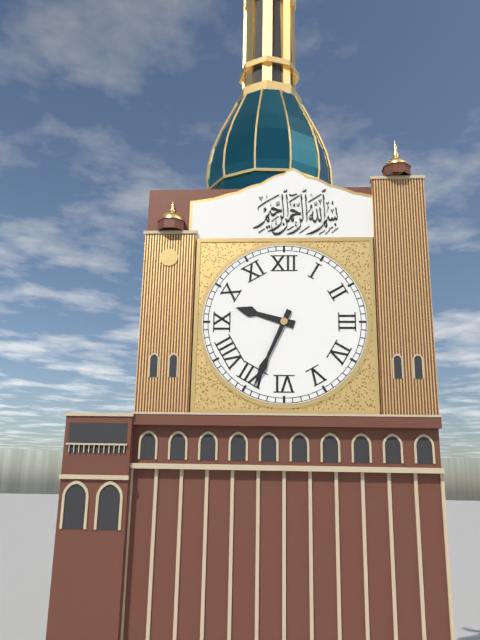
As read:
9.34
